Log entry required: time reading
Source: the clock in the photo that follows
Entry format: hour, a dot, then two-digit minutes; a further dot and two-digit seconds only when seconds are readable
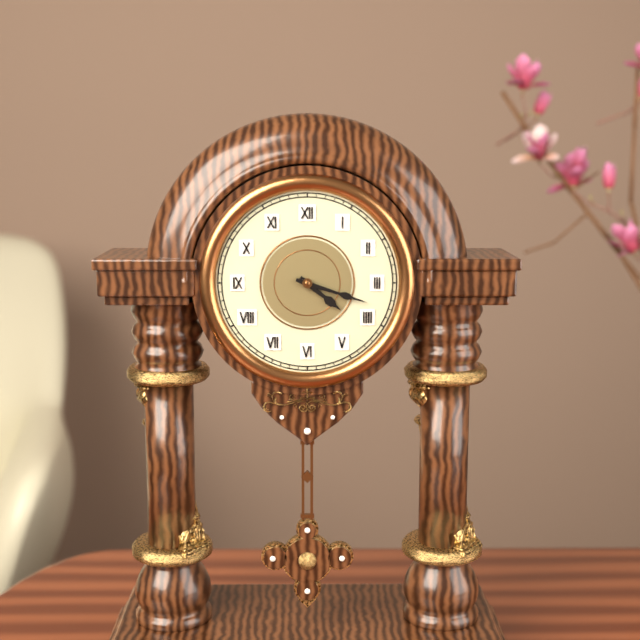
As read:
4.18
